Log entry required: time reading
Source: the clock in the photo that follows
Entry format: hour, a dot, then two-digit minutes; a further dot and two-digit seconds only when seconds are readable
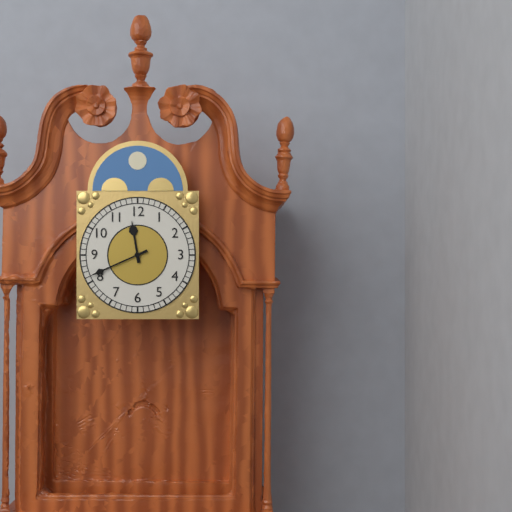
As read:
11.41
